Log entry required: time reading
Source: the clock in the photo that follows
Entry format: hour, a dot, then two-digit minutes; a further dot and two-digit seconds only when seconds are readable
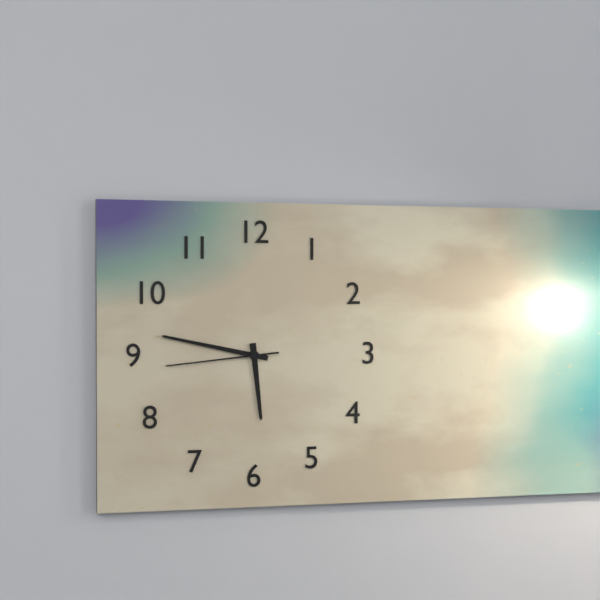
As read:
5.47.44
